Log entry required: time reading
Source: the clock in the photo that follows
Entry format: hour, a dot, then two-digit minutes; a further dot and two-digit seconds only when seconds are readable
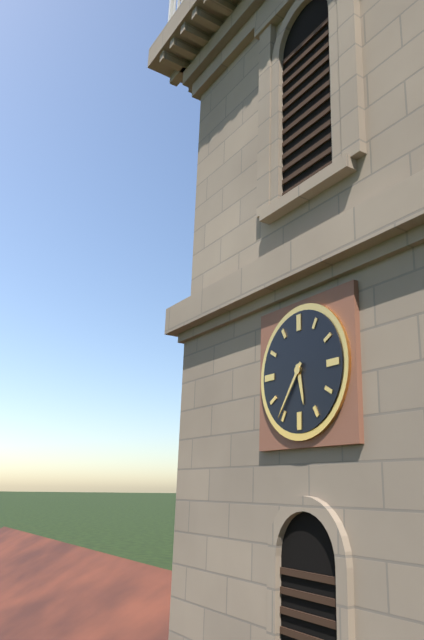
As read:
5.36
